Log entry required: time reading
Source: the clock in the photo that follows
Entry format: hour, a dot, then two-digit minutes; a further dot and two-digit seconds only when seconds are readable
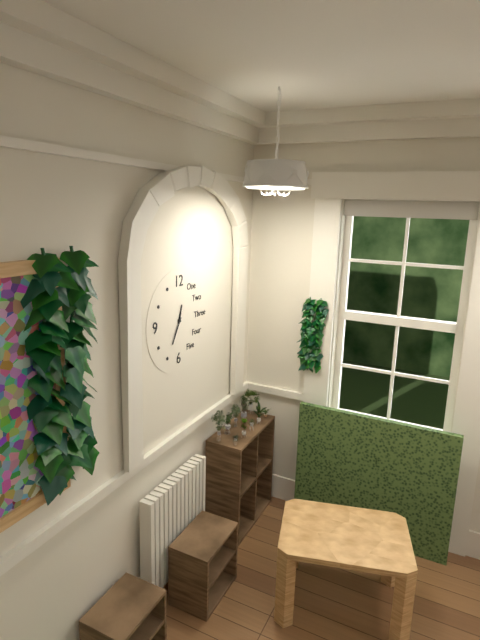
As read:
12.35
